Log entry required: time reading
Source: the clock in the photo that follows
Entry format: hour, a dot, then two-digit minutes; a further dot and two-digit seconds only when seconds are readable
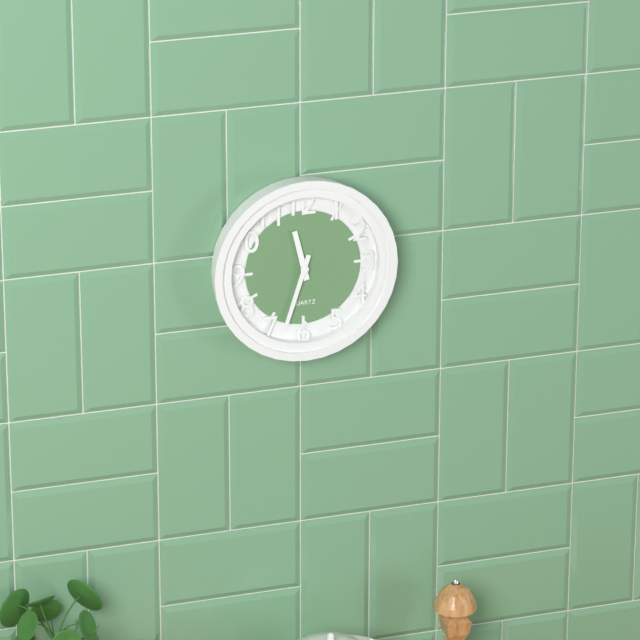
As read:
11.33
